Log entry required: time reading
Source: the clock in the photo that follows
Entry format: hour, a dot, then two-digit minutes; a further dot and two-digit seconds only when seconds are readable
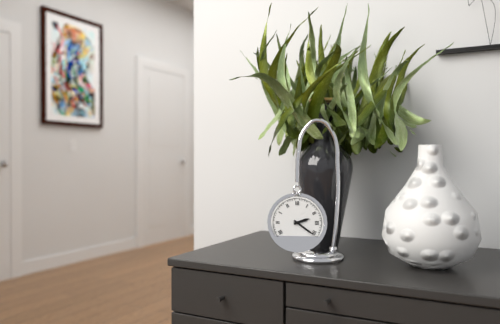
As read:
2.21
